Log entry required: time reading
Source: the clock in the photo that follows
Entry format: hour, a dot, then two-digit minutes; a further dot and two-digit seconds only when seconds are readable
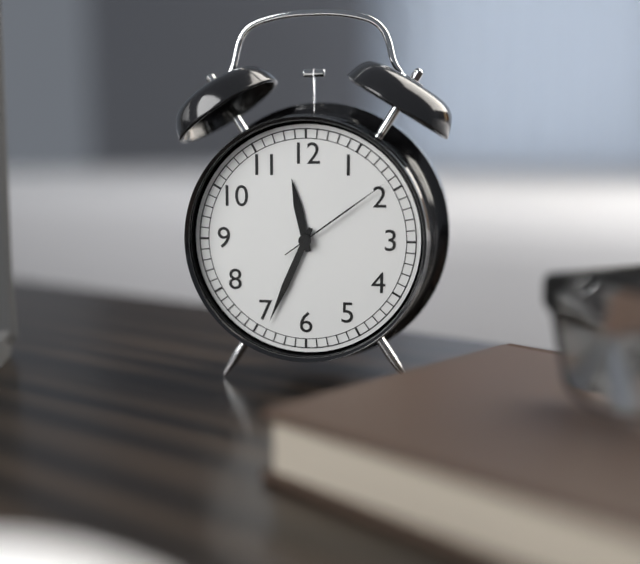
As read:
11.34.09
